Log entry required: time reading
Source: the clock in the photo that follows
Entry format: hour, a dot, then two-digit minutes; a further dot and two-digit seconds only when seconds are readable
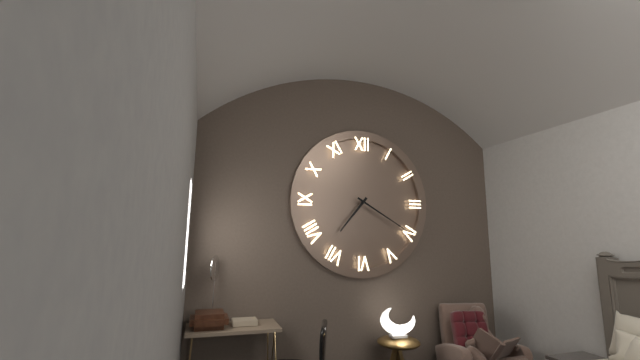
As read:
7.20
